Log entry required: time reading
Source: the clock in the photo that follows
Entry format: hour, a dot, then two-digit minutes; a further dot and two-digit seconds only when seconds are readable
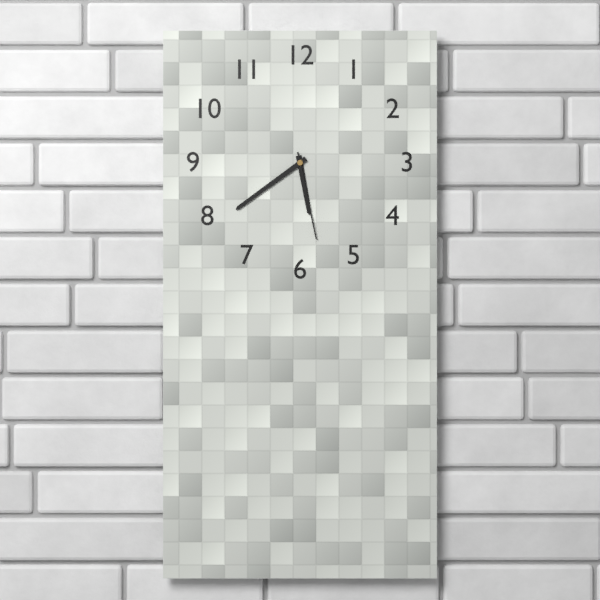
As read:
5.39.28
